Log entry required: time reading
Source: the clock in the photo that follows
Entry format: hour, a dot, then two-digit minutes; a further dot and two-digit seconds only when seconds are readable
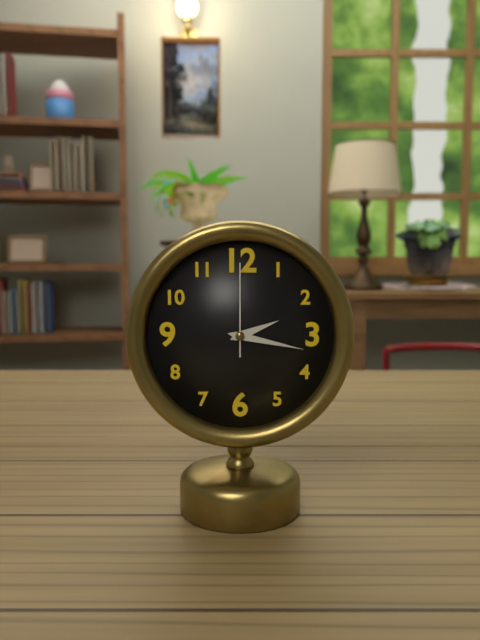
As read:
2.17.00
